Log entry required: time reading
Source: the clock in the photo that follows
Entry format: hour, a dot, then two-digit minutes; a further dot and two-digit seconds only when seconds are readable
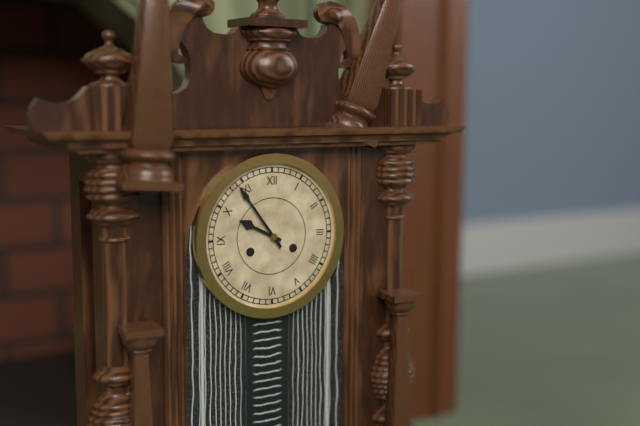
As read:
9.54
